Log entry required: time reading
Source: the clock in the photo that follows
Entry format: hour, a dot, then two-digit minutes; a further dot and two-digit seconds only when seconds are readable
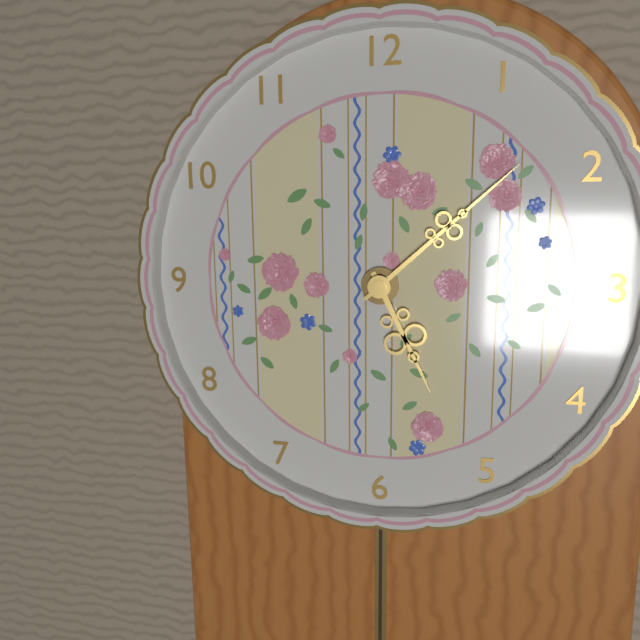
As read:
5.08
